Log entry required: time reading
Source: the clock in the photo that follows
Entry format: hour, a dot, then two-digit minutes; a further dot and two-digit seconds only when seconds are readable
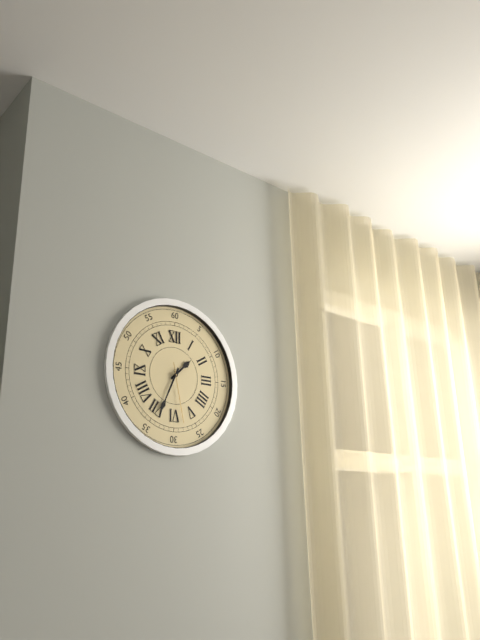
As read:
1.34.28
